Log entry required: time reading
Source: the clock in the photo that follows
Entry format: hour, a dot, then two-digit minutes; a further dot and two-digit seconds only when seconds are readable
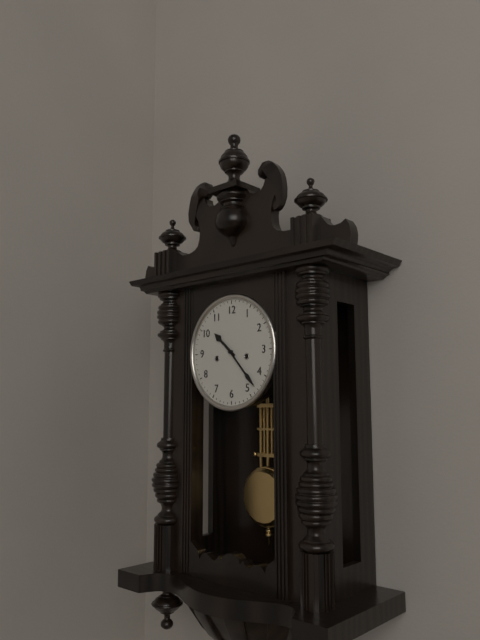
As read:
10.23
